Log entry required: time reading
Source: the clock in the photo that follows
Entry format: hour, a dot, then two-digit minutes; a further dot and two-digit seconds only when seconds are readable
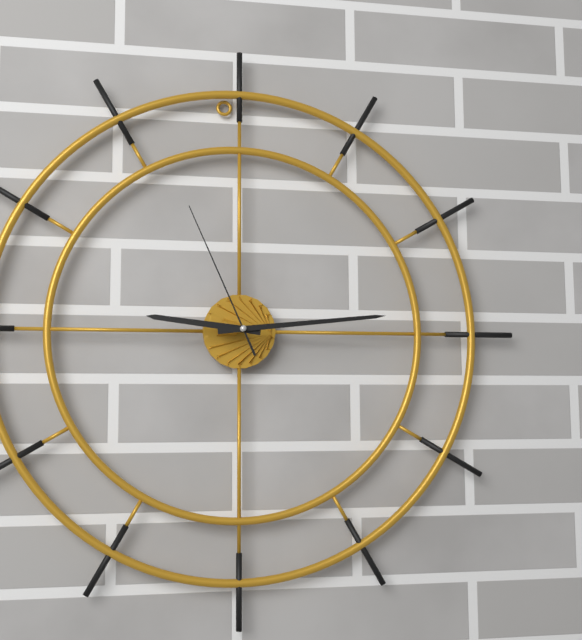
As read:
9.14.56
